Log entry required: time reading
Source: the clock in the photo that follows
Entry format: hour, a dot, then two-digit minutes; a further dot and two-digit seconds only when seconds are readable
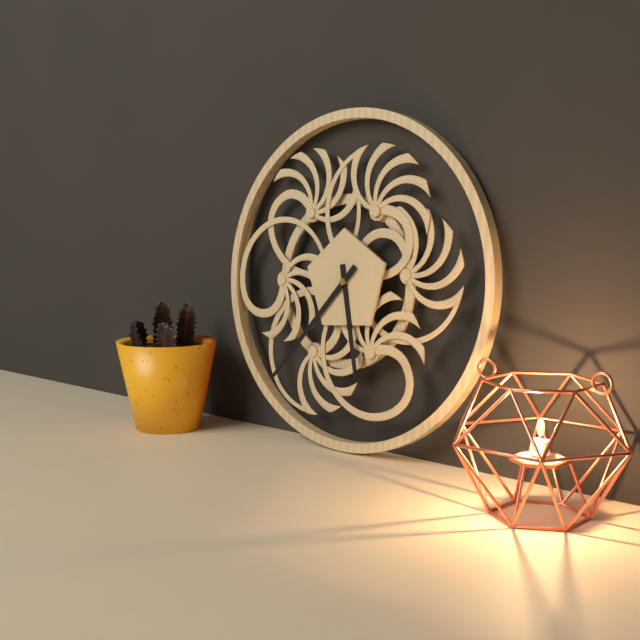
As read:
5.37
